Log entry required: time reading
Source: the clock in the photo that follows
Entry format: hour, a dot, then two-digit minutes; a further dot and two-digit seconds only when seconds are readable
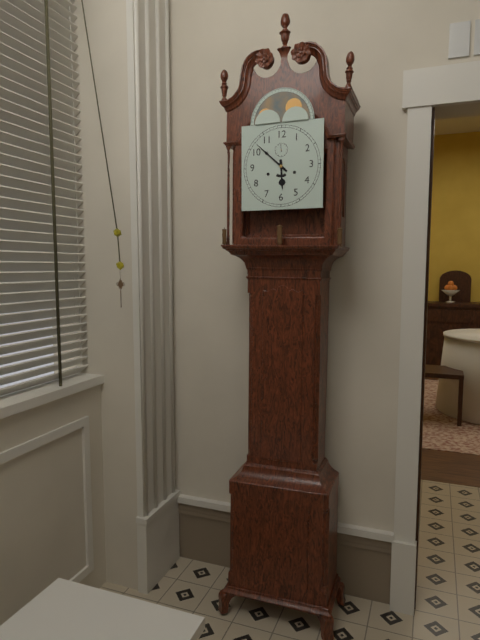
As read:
5.52
